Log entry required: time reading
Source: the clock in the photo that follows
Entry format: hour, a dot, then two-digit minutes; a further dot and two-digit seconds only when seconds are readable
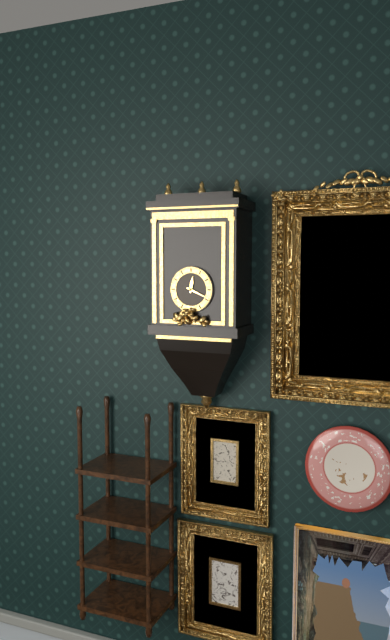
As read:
12.19
